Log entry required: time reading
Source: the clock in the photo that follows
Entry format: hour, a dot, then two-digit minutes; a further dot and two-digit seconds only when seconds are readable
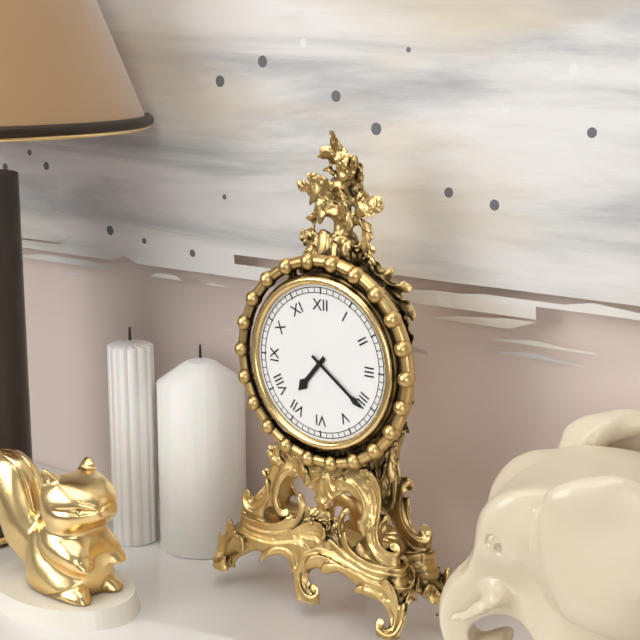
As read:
7.21
